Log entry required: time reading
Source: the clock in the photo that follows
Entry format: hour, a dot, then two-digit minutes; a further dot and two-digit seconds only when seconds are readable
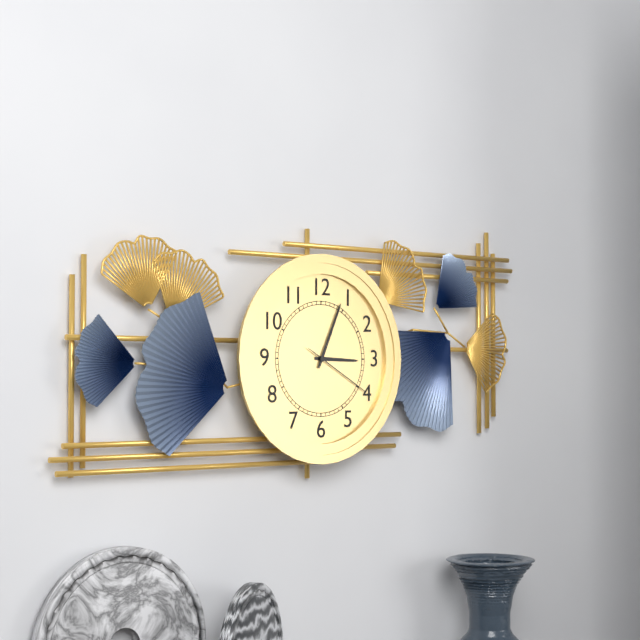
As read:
3.04.20
